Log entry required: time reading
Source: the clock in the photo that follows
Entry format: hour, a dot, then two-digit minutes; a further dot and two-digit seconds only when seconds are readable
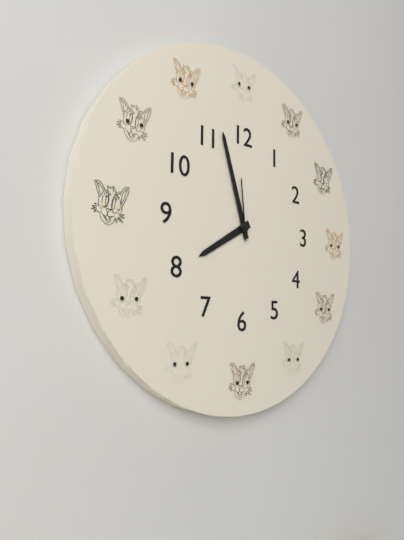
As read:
7.57.59
